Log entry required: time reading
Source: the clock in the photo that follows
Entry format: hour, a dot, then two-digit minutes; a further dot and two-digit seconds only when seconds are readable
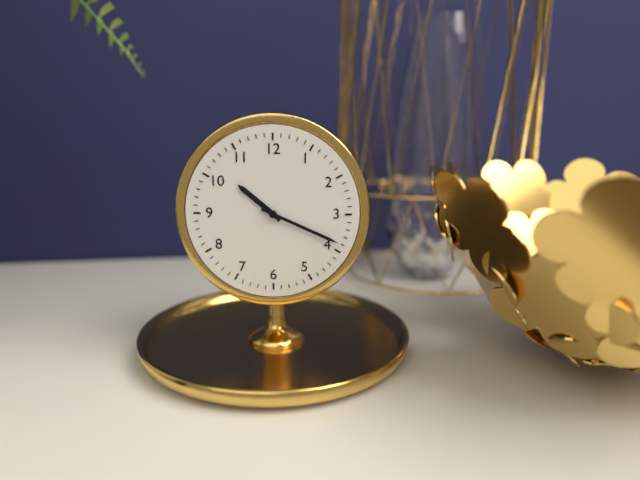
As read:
10.19
